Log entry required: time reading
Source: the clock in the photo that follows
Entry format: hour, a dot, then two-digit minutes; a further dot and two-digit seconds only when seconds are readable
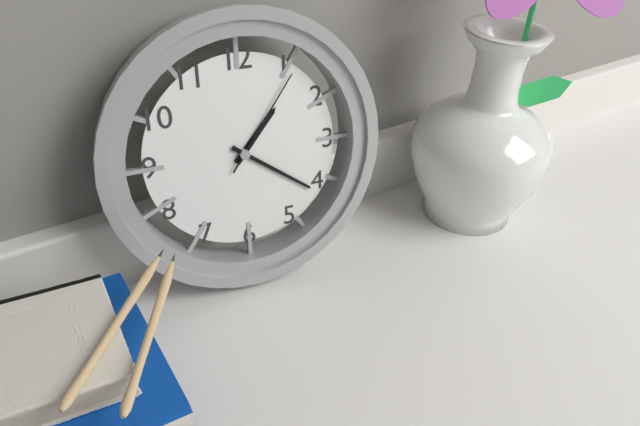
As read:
1.21.06
